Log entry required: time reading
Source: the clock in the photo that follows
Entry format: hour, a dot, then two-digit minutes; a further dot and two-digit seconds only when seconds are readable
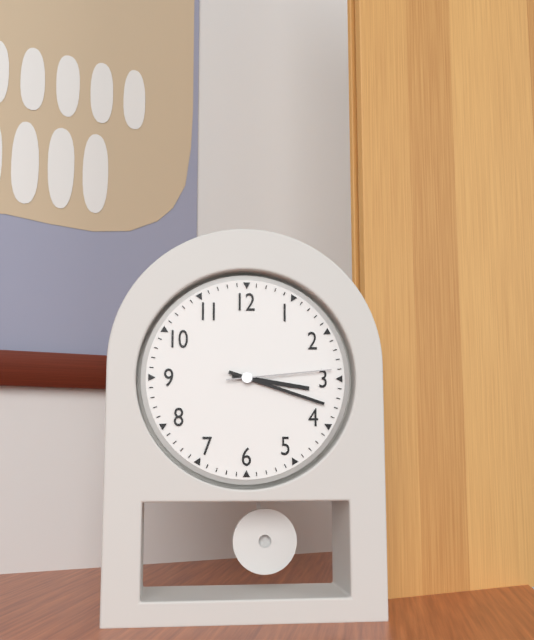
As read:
3.18.14
